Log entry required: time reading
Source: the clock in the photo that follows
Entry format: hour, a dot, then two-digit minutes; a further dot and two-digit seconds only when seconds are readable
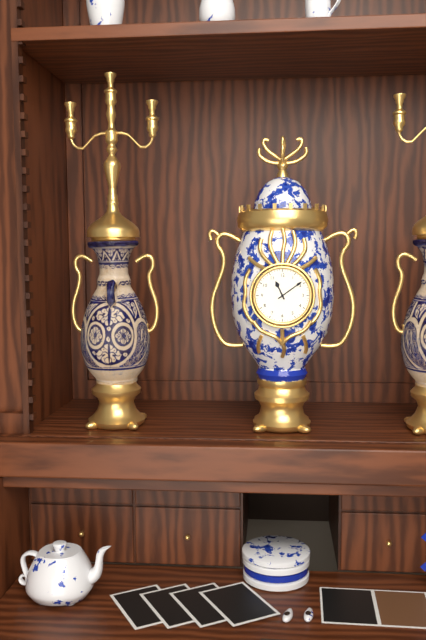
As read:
11.09
